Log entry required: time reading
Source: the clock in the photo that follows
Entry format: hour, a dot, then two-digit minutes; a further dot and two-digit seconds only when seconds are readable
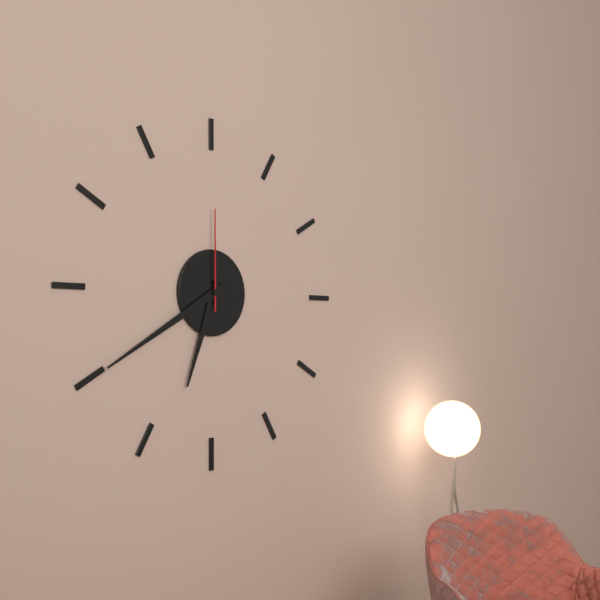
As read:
6.40.00
